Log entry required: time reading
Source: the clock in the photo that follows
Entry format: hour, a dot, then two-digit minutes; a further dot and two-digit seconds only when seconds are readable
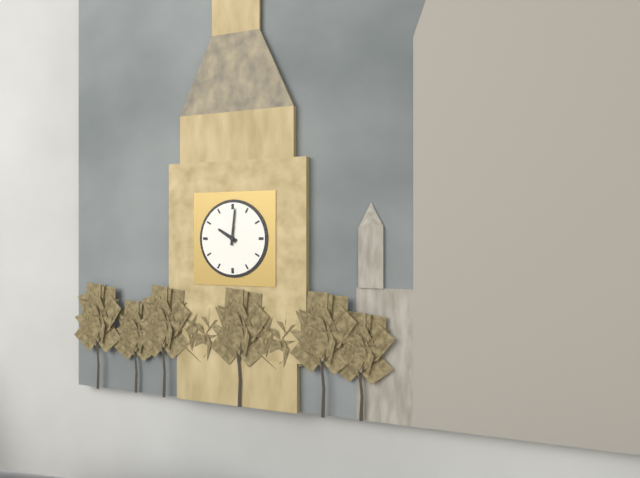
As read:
10.01
